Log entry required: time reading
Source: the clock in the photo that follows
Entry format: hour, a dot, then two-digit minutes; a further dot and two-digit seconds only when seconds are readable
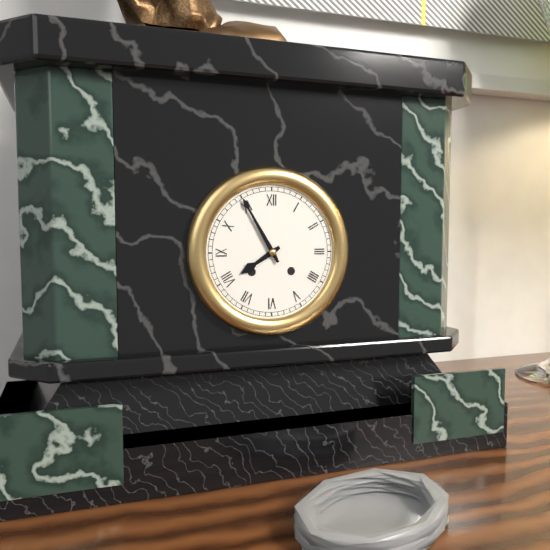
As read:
7.55
